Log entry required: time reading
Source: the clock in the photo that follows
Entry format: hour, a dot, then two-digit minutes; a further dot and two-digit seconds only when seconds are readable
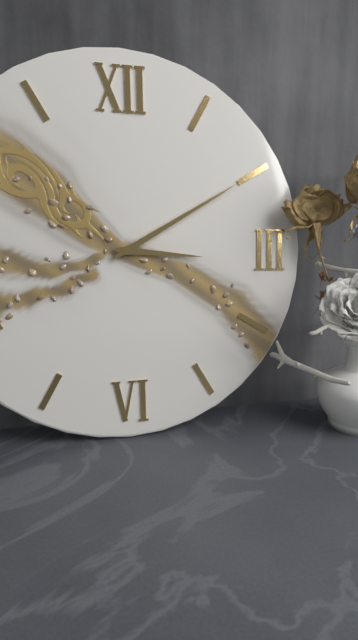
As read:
3.10
